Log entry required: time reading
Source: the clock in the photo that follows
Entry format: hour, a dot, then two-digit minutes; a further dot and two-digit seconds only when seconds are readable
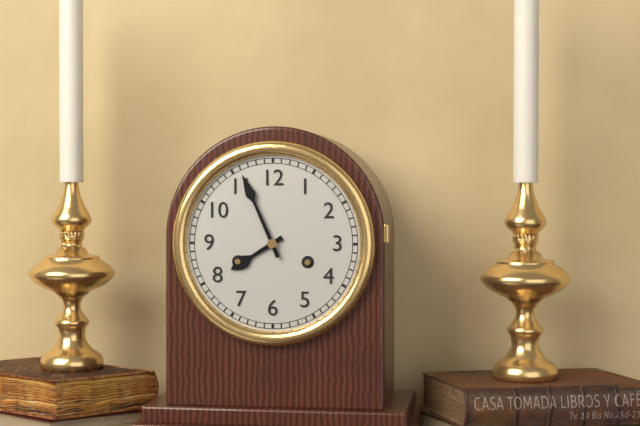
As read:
7.56
